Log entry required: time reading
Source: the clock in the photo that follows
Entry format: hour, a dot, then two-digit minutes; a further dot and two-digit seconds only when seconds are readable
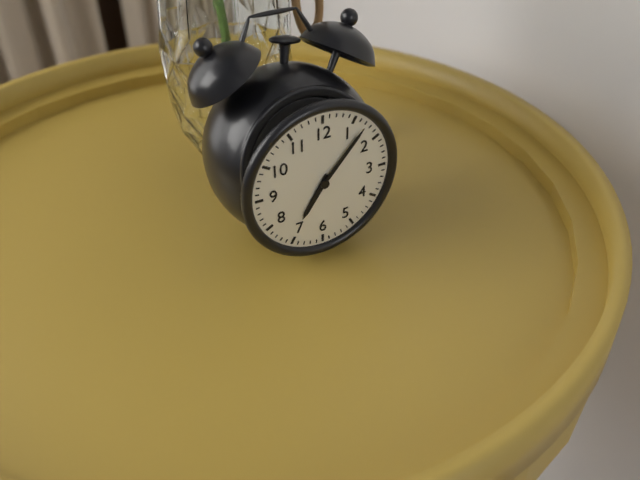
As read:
7.07
